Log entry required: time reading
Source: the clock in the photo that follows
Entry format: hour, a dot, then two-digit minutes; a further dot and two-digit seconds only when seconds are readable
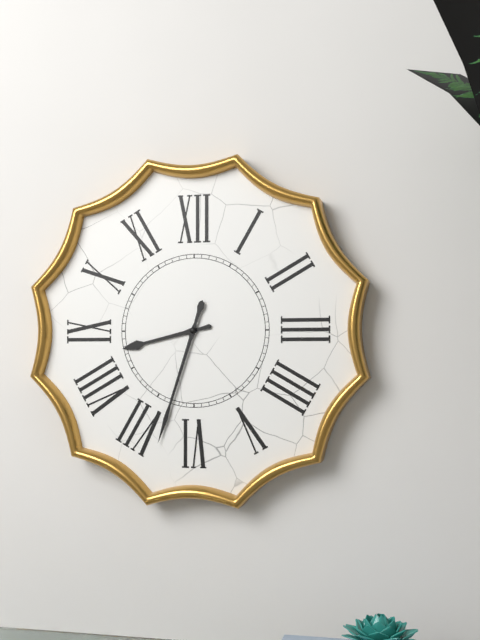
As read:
8.33
